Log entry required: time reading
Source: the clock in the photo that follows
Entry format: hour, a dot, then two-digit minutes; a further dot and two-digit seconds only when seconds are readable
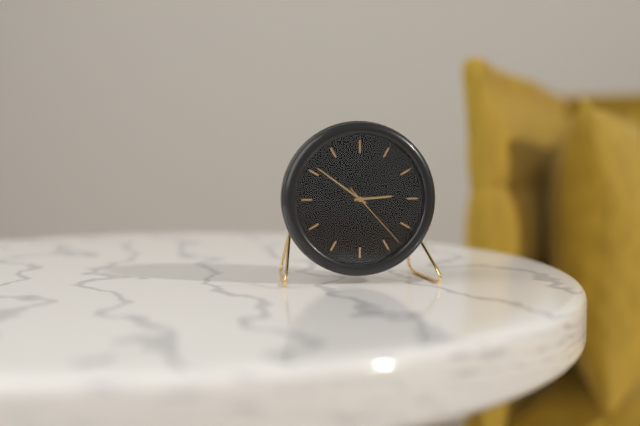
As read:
2.51.23
